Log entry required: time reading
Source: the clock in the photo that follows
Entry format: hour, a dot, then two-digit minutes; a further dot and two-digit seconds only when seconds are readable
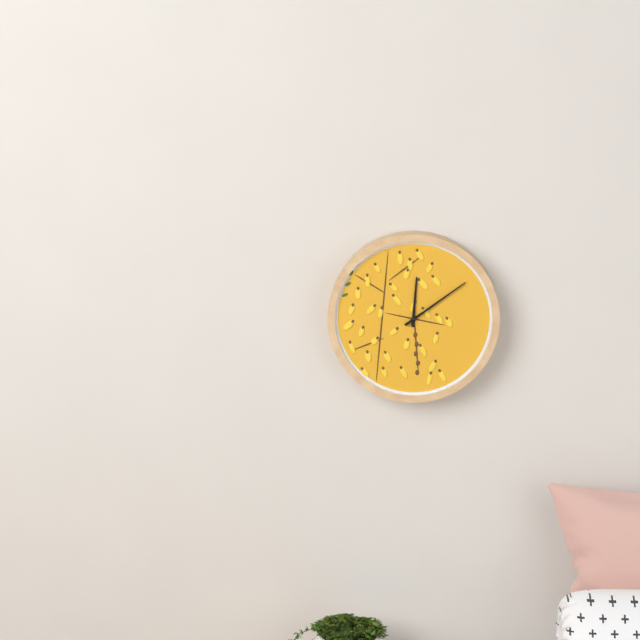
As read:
12.09
